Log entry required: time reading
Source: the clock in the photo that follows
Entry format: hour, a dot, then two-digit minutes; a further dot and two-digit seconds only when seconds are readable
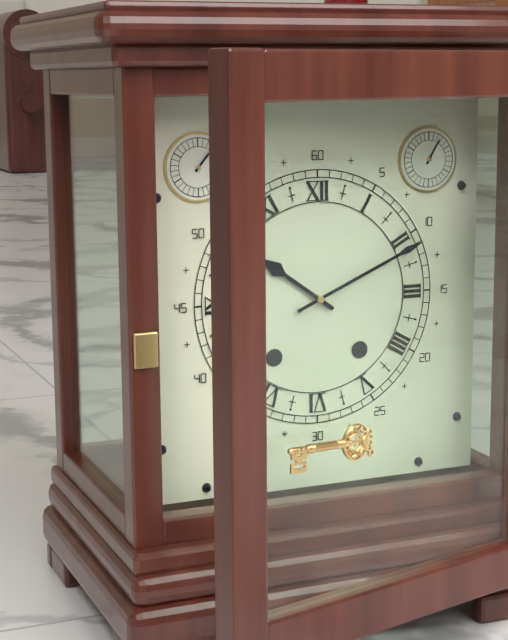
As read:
10.11
